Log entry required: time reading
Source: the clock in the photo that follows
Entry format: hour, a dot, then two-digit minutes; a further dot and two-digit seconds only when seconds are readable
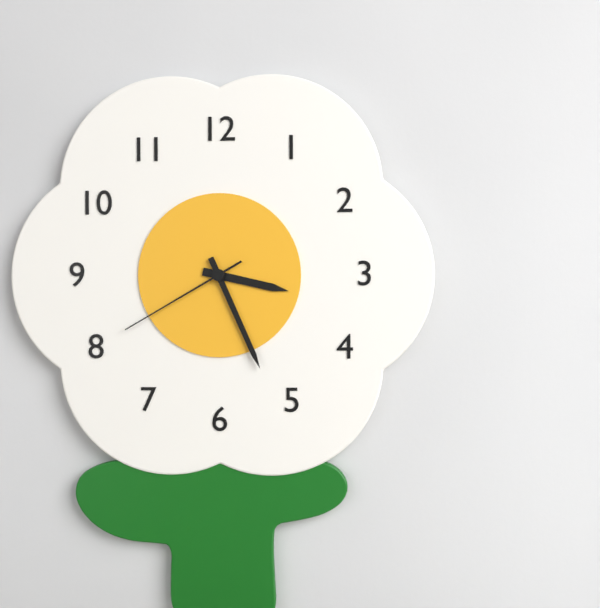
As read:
3.26.40
